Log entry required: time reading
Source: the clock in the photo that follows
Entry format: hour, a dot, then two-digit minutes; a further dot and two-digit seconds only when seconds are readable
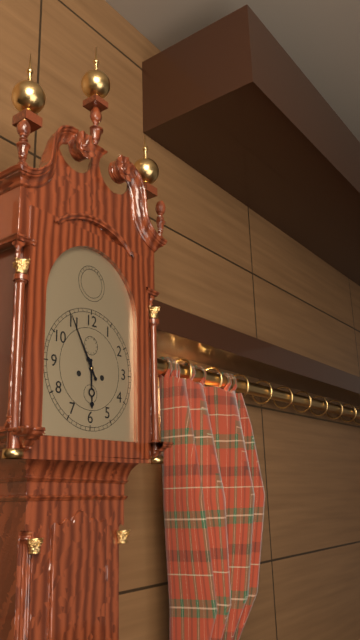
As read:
5.55
